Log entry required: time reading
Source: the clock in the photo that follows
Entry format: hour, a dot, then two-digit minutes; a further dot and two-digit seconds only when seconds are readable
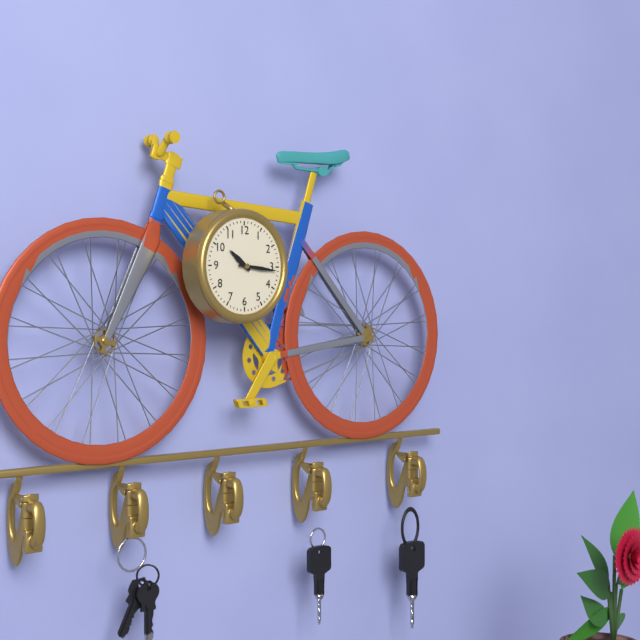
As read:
10.16
